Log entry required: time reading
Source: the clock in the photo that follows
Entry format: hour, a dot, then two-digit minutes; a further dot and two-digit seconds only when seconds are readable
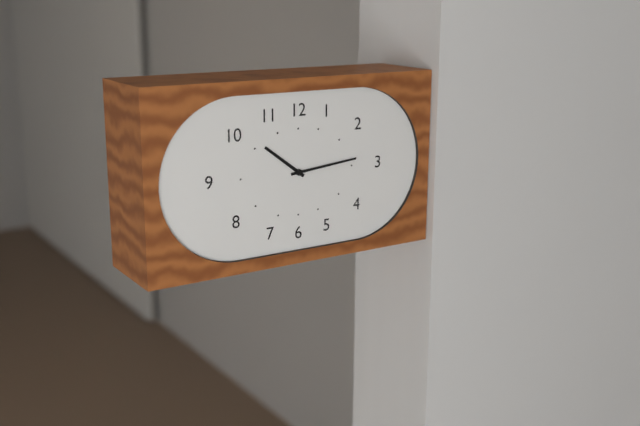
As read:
10.14
